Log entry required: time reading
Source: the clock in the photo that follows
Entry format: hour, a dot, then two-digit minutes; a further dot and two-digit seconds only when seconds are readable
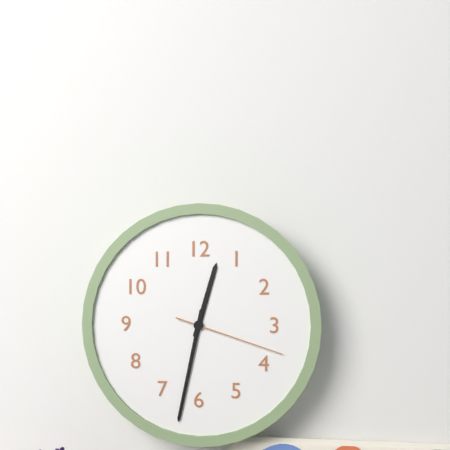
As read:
12.32.18
